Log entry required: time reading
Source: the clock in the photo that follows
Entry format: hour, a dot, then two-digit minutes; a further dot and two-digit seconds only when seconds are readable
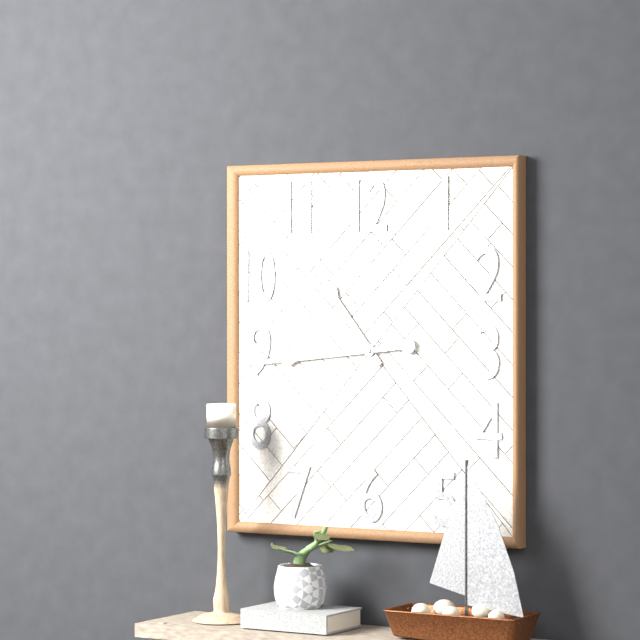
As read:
10.44
